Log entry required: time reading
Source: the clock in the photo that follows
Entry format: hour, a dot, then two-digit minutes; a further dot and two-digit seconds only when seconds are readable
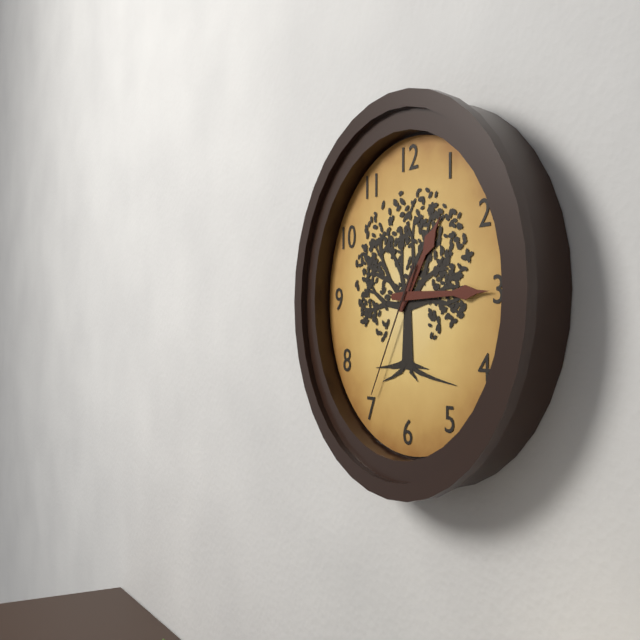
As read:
1.15.35
